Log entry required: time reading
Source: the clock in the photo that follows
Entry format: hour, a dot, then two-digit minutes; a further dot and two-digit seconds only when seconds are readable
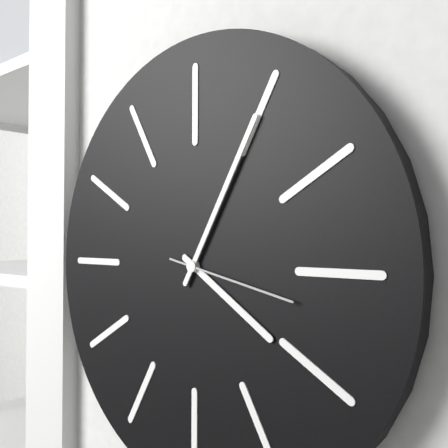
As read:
4.05.17
